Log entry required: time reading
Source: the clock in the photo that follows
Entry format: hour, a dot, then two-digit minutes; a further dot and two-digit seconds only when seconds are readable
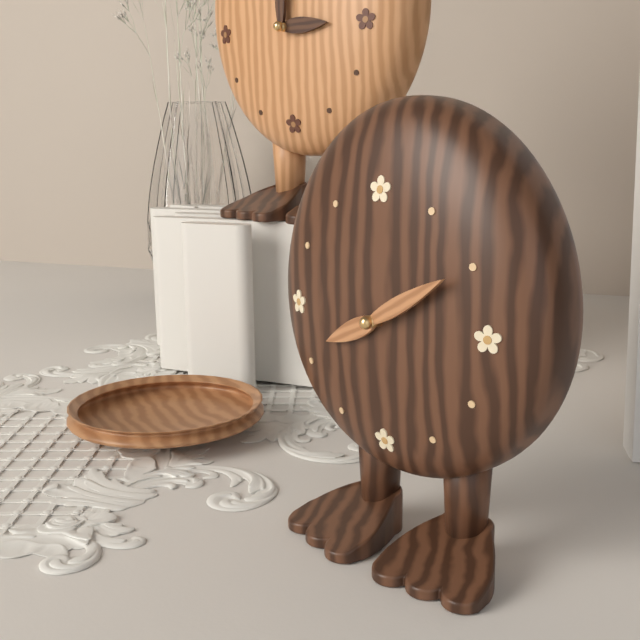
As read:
8.10
